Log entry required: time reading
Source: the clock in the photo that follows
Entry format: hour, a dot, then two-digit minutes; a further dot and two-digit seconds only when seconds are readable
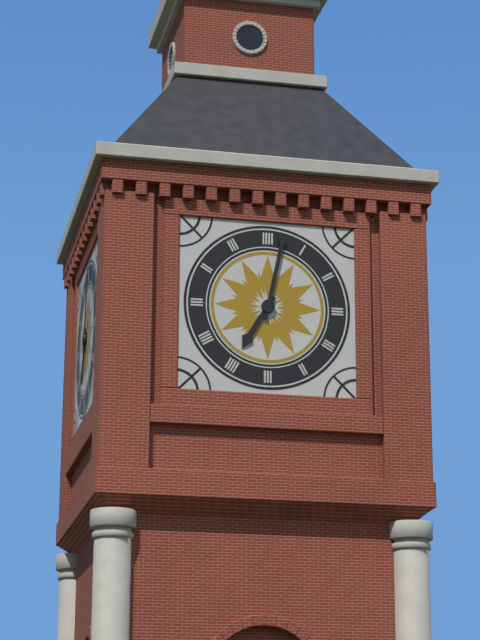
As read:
7.02
